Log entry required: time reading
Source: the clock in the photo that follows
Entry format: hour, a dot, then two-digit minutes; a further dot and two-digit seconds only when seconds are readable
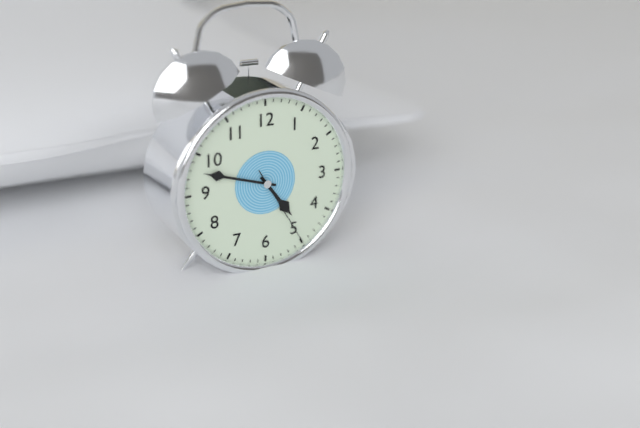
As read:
4.48.25
